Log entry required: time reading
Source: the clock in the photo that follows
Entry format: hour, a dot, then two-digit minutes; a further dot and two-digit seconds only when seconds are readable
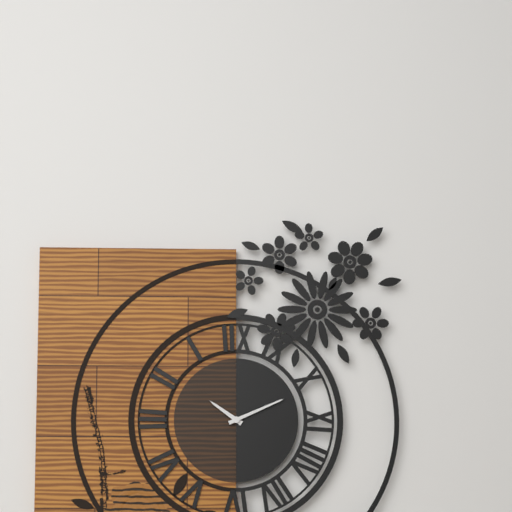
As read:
10.11
